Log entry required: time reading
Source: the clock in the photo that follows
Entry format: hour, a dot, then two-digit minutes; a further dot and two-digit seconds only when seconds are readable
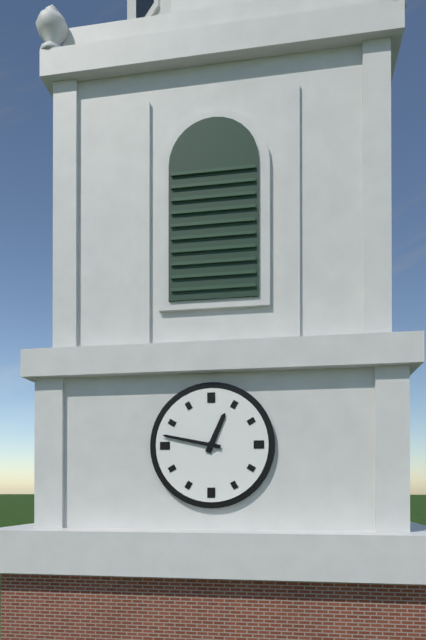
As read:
12.47
